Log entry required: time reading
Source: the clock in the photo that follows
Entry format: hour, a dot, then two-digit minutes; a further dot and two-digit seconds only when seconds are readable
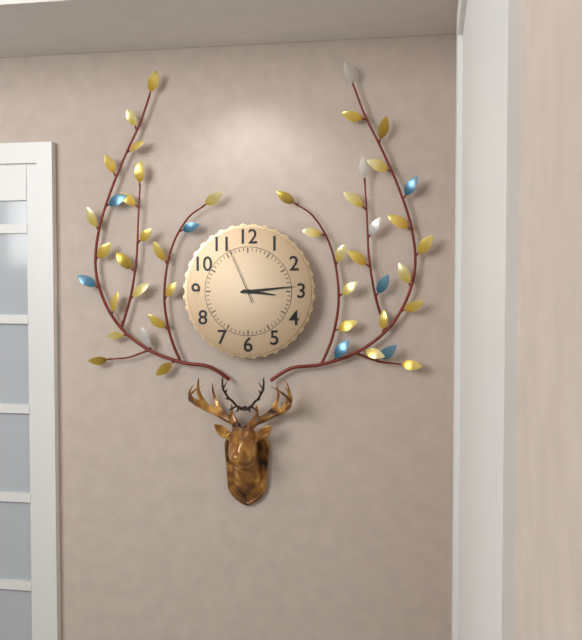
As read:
3.14.56
